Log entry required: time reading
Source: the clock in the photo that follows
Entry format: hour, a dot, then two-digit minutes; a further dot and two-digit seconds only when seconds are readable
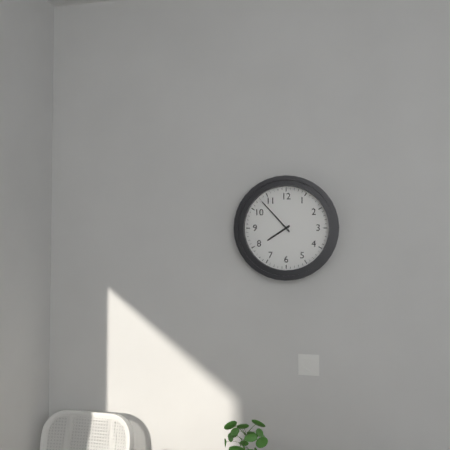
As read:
7.53
